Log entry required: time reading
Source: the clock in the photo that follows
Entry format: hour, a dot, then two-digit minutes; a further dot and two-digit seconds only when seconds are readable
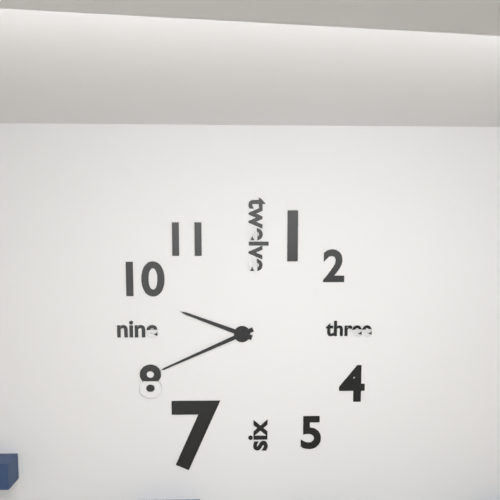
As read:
9.41
